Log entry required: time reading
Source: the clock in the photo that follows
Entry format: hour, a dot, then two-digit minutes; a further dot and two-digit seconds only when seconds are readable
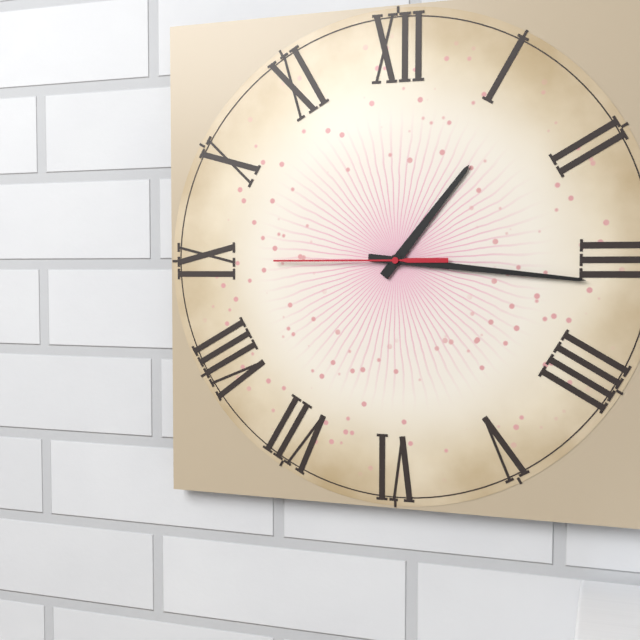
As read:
1.16.45
